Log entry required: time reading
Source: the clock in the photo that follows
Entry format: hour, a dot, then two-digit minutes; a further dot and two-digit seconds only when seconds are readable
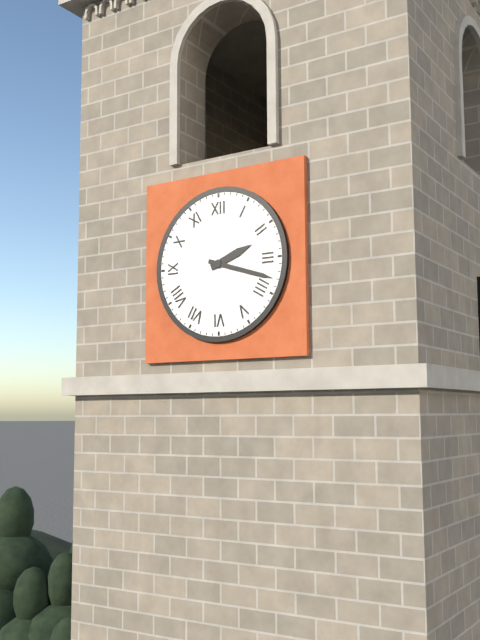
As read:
2.18
